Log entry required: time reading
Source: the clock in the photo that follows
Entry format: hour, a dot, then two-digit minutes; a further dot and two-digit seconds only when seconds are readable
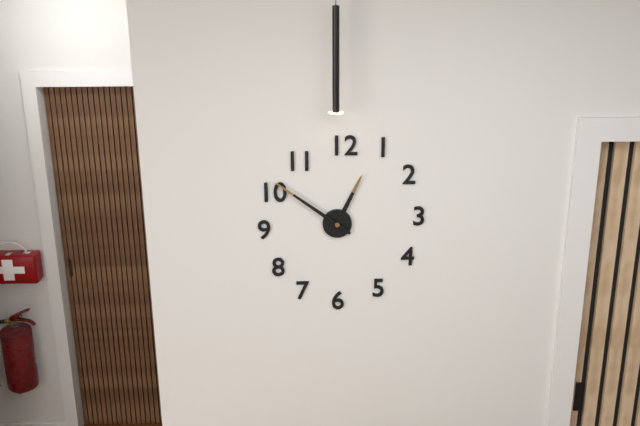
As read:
12.51
